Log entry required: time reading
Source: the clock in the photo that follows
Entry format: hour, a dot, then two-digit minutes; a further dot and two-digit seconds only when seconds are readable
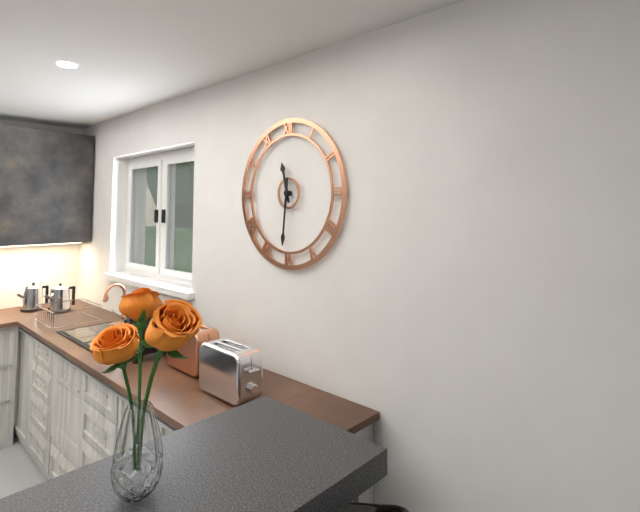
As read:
11.31
